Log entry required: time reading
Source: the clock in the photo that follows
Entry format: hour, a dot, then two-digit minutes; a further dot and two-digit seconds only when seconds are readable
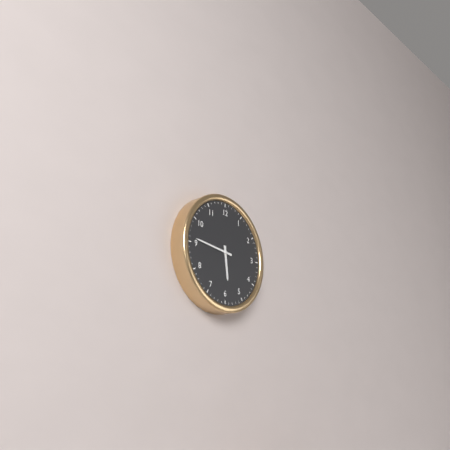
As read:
5.46
